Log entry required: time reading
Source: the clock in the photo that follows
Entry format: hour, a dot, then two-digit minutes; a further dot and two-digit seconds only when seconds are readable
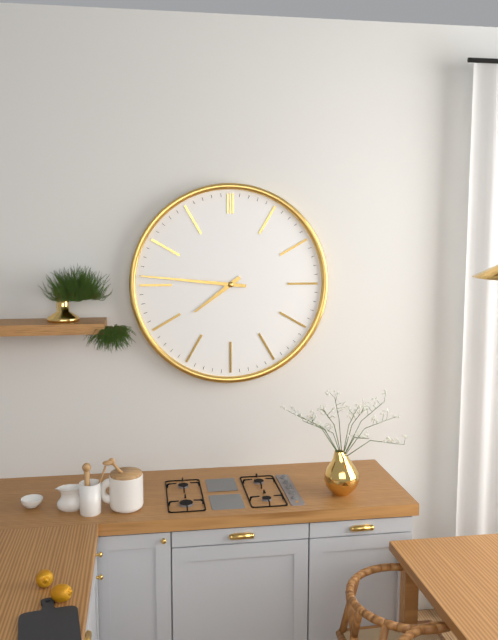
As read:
7.46
